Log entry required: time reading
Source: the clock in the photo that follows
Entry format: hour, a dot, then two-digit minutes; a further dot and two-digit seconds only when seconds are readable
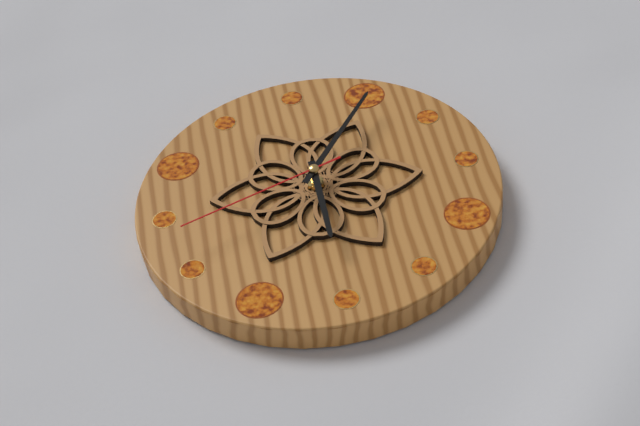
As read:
5.01.37
